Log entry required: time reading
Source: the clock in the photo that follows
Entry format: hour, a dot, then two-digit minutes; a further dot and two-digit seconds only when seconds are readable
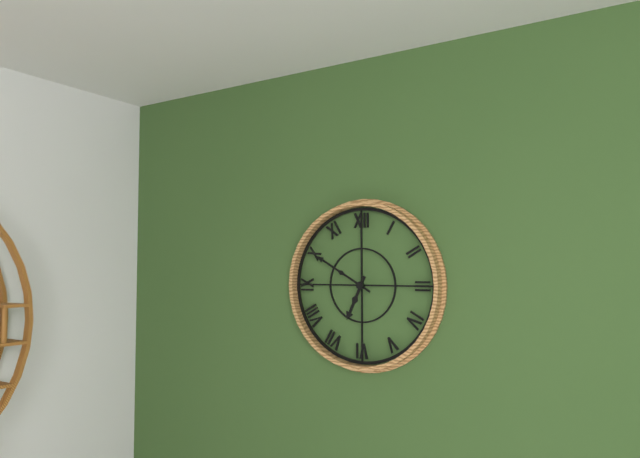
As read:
6.50
